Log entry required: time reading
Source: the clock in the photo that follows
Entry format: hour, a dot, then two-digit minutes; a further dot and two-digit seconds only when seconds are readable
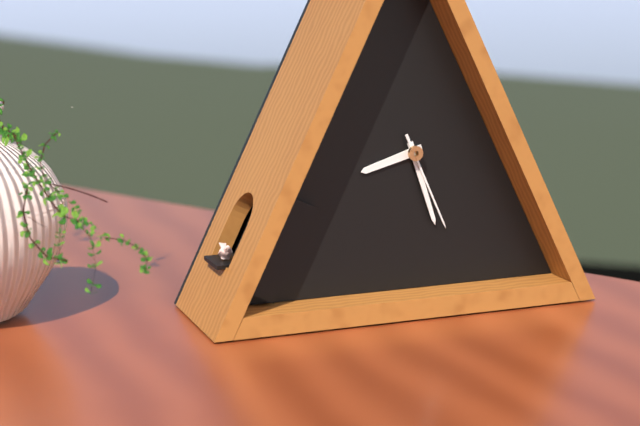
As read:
8.27.26
